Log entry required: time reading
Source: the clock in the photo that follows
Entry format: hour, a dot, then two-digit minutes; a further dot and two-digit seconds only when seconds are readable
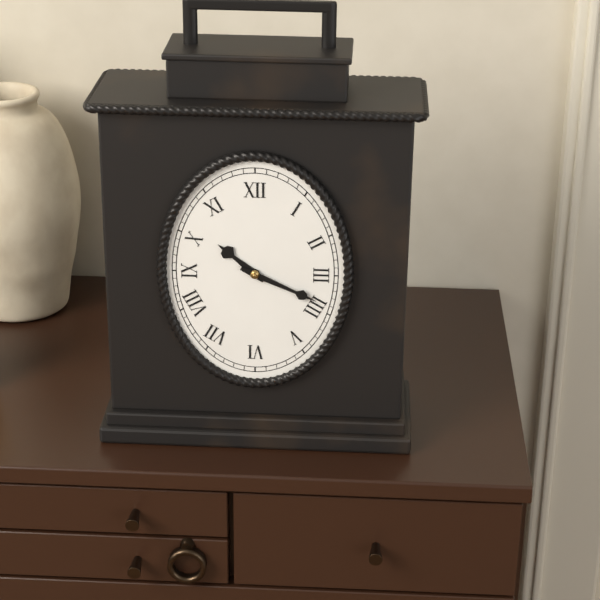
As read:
10.19
